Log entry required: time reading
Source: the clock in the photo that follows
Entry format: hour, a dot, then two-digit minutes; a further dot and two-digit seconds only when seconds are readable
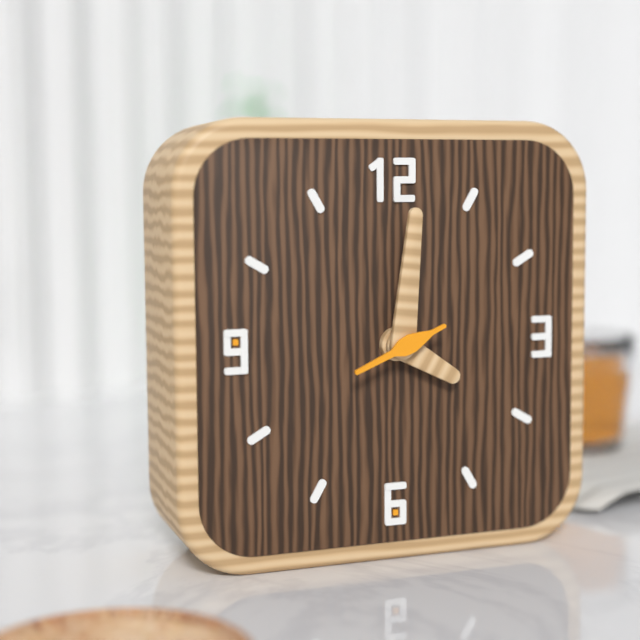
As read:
4.01.41
